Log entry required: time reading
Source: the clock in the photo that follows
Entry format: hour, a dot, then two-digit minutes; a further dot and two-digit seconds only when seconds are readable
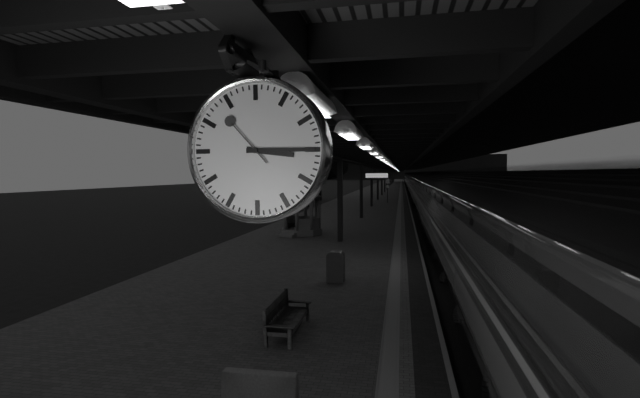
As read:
3.15.53
